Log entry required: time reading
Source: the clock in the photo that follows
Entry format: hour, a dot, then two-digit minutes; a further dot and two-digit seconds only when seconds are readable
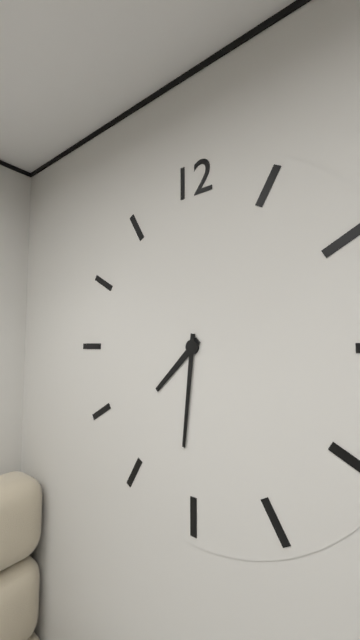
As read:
7.31
